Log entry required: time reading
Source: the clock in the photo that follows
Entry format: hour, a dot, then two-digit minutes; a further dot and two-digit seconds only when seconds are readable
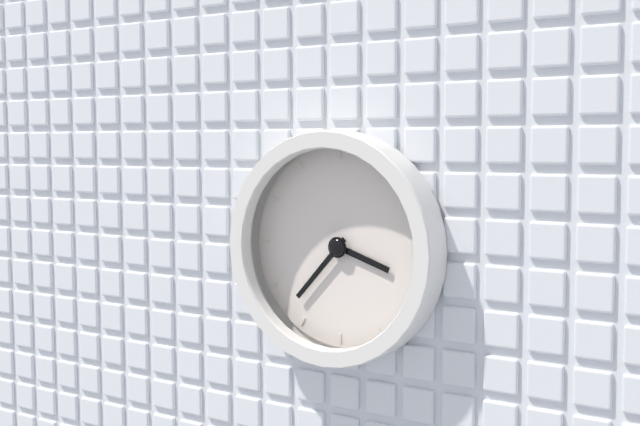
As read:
3.37
